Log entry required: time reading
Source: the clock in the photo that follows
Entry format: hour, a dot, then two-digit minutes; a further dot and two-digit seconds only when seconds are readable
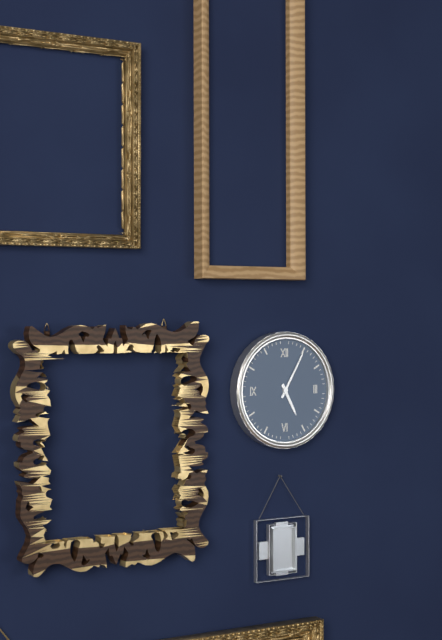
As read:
5.05
